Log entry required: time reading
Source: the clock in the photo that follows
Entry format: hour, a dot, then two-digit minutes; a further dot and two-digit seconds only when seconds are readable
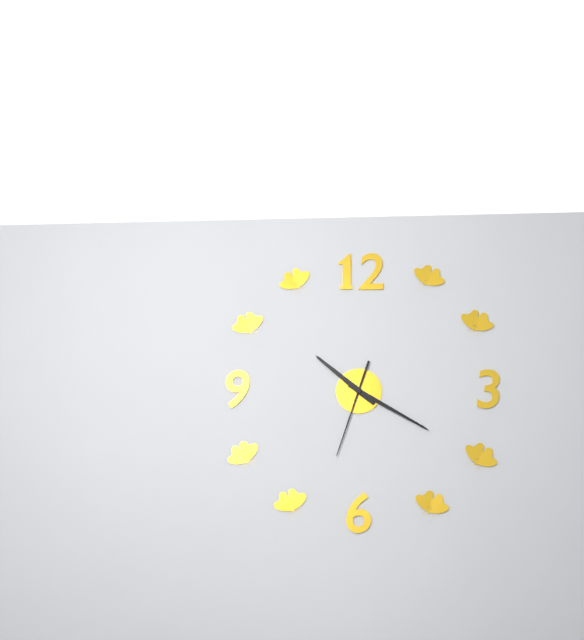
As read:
10.20.33
